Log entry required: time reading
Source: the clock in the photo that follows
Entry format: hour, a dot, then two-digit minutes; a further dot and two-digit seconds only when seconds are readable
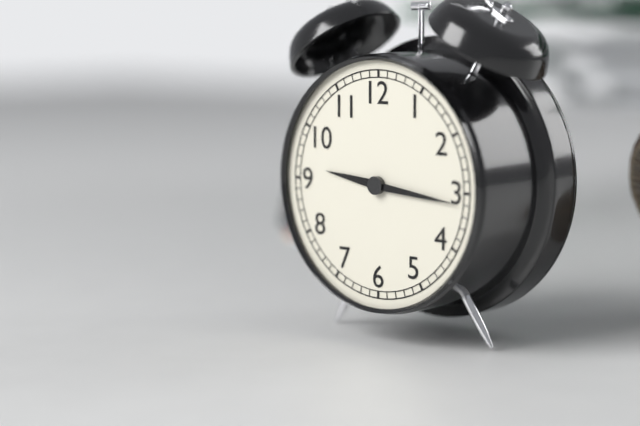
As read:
9.16
